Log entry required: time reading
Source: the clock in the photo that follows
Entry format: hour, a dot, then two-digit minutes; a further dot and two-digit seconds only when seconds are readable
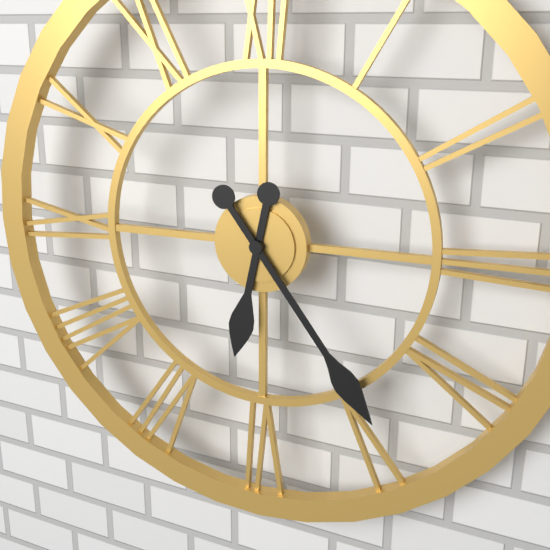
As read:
6.24
